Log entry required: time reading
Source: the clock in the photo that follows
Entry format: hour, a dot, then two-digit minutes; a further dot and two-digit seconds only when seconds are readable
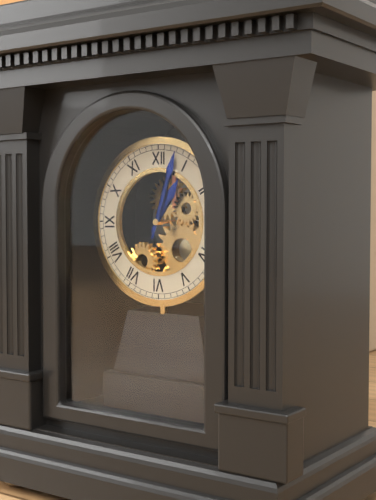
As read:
1.03
